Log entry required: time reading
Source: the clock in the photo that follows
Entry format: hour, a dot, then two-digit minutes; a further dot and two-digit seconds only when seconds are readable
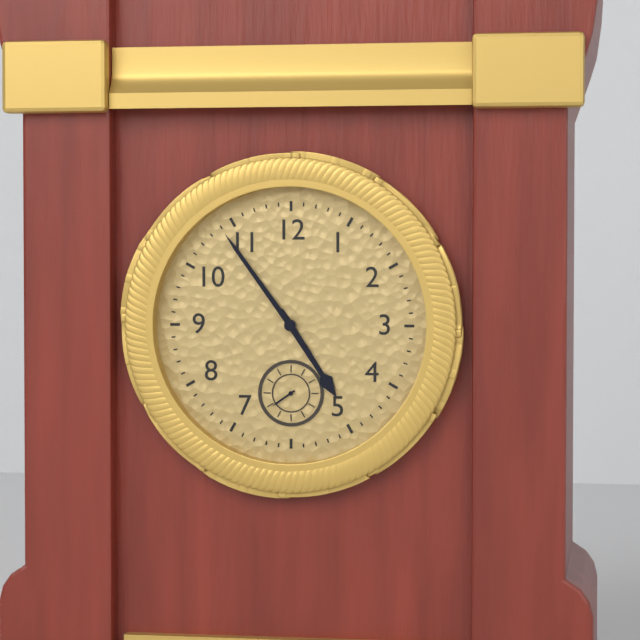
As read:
4.54
